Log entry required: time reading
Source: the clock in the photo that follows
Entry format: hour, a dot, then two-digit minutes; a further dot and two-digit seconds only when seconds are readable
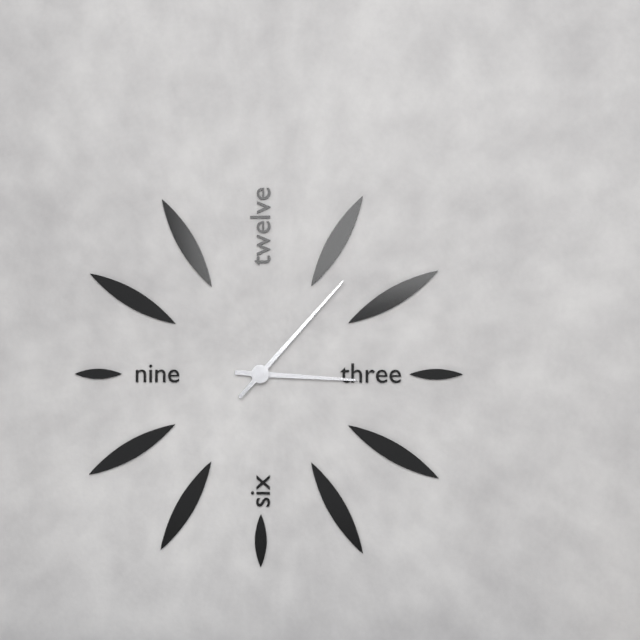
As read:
3.07
